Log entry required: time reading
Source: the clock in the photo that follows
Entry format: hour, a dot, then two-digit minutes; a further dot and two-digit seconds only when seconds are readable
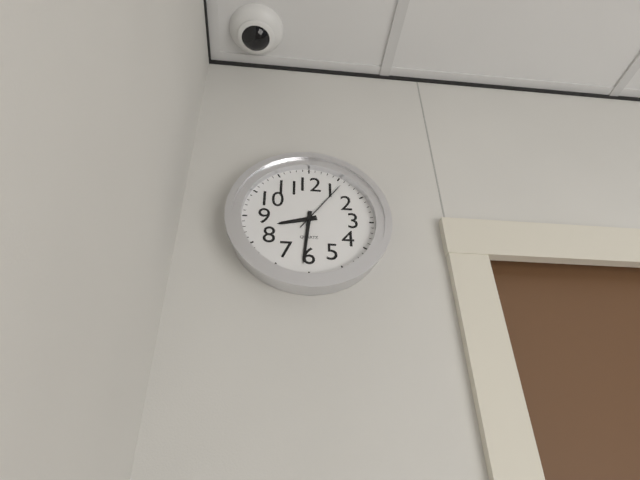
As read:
8.31.06
